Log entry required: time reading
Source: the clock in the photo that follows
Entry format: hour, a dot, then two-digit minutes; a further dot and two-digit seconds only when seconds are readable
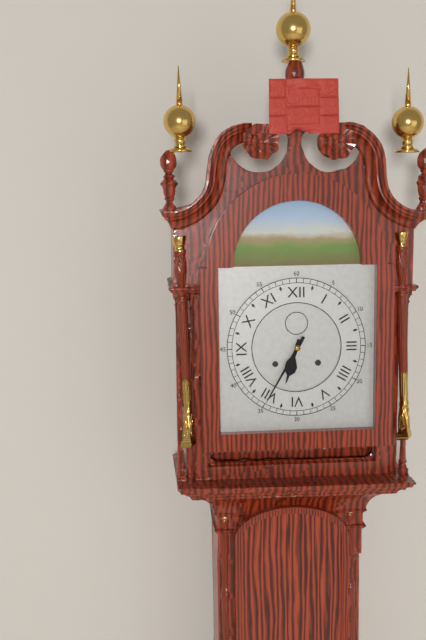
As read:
6.35
